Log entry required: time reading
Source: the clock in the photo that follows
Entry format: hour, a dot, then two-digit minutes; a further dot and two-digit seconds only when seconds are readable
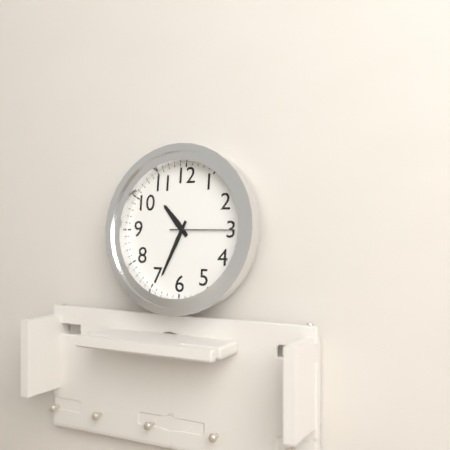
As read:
10.34.15
